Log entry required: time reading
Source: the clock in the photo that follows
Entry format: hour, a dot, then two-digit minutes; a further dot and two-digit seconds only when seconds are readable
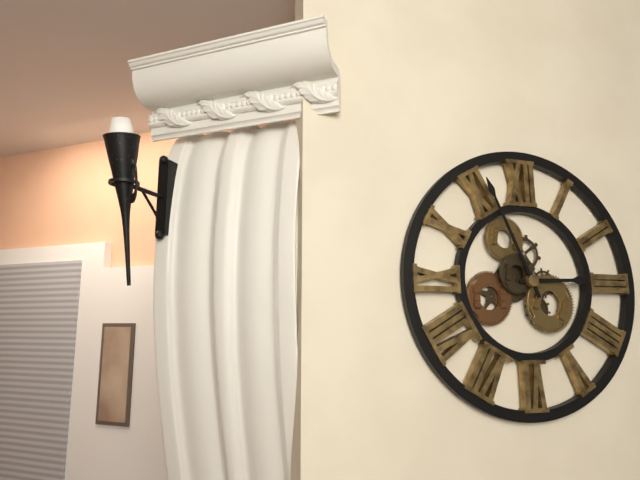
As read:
2.56
